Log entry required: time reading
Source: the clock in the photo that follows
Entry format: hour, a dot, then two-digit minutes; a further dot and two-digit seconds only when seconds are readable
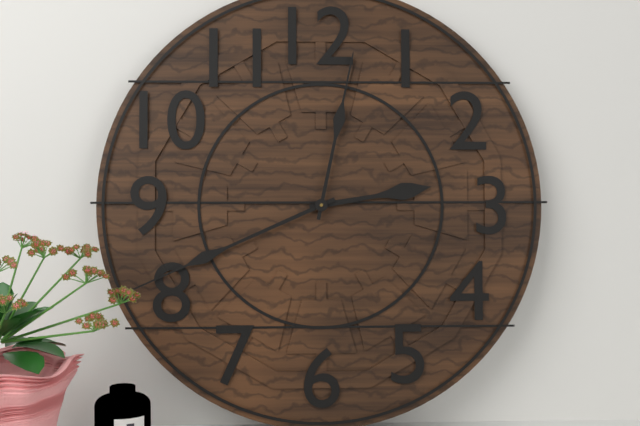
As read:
2.41.02
